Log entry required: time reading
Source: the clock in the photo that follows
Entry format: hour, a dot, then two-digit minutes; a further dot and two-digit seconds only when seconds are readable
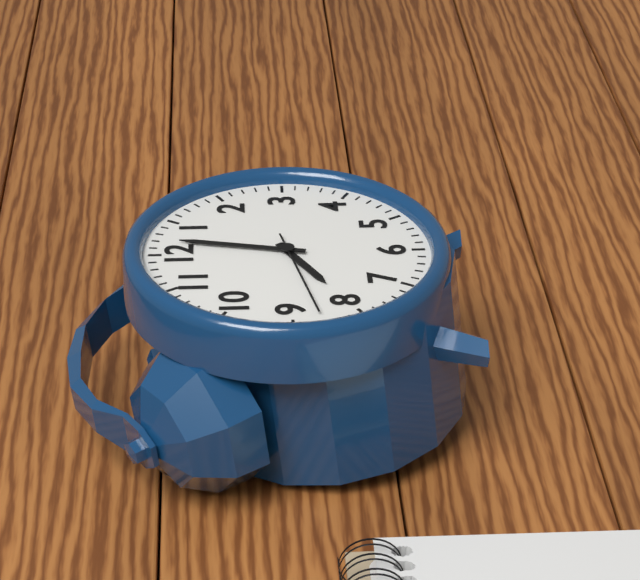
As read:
8.02.43
